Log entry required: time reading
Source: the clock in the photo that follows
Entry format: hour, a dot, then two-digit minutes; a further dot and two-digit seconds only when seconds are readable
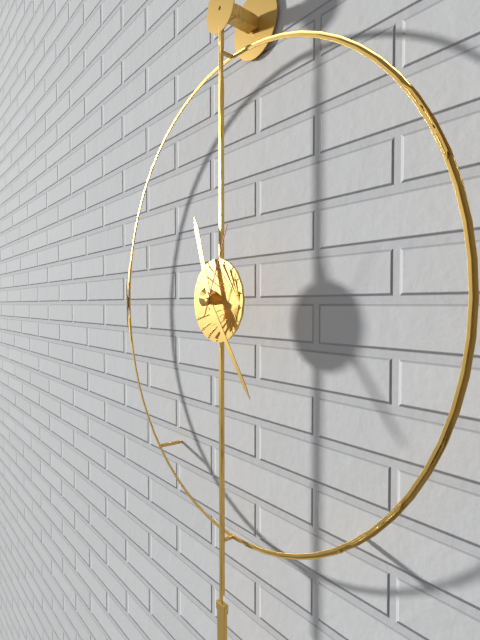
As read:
11.24.04
